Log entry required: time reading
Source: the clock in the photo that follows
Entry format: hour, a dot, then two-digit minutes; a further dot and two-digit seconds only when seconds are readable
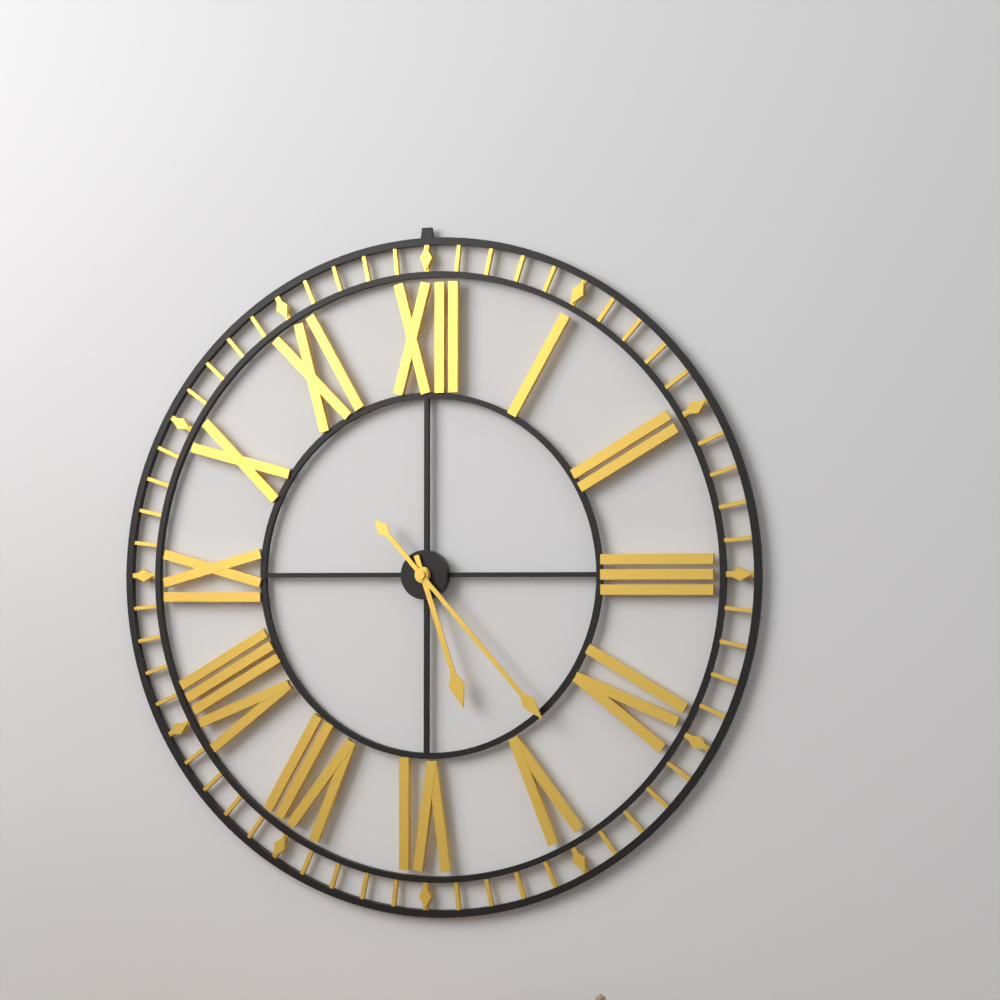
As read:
5.23
